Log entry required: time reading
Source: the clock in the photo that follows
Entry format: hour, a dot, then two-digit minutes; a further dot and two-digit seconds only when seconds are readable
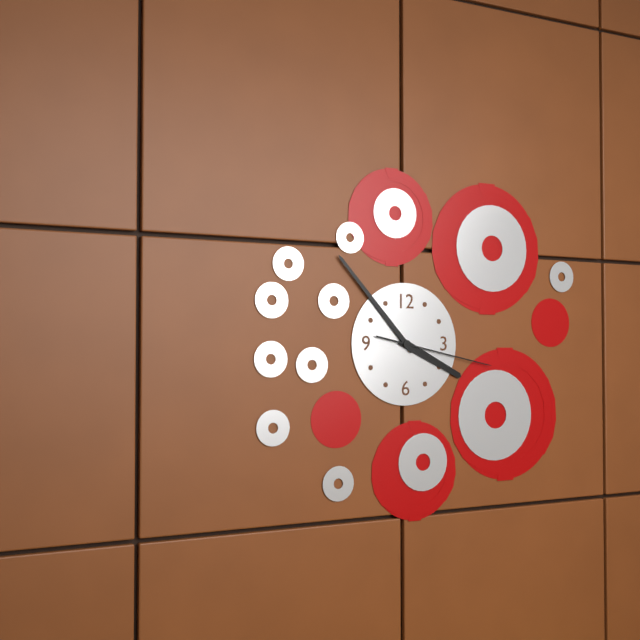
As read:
3.53.17
